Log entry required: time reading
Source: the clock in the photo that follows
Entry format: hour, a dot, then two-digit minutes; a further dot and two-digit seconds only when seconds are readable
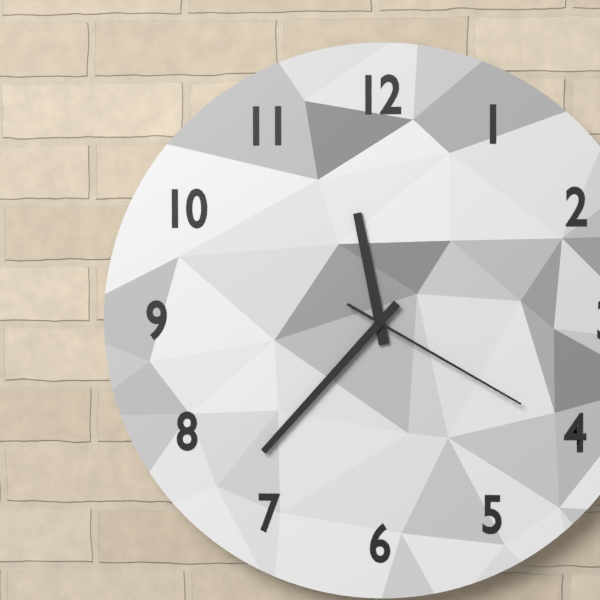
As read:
11.37.20
